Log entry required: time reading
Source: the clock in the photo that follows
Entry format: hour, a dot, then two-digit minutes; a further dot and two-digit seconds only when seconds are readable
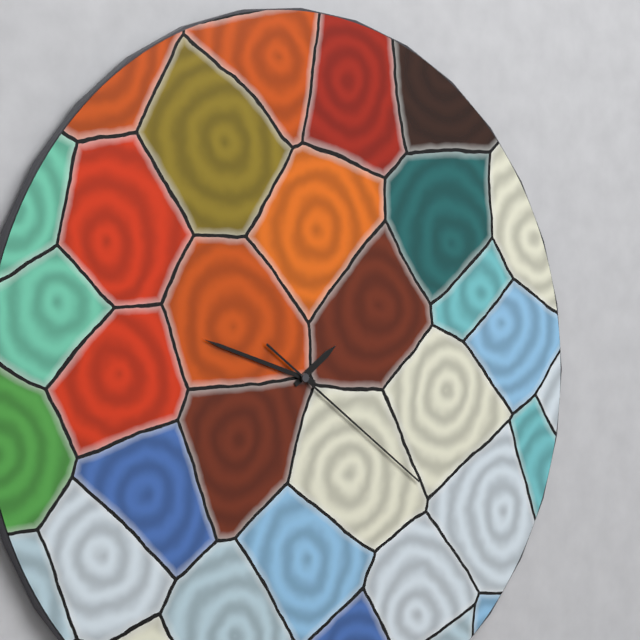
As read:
1.48.21
